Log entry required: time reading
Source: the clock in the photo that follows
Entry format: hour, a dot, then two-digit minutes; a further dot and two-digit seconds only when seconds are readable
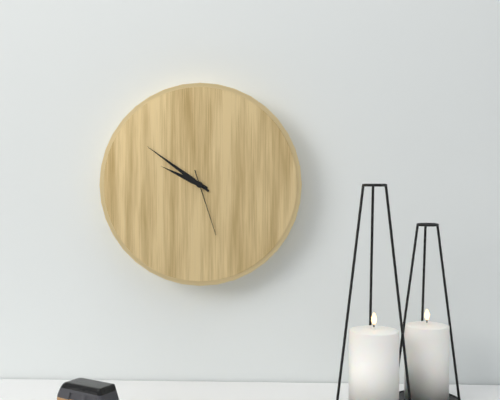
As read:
9.51.27
